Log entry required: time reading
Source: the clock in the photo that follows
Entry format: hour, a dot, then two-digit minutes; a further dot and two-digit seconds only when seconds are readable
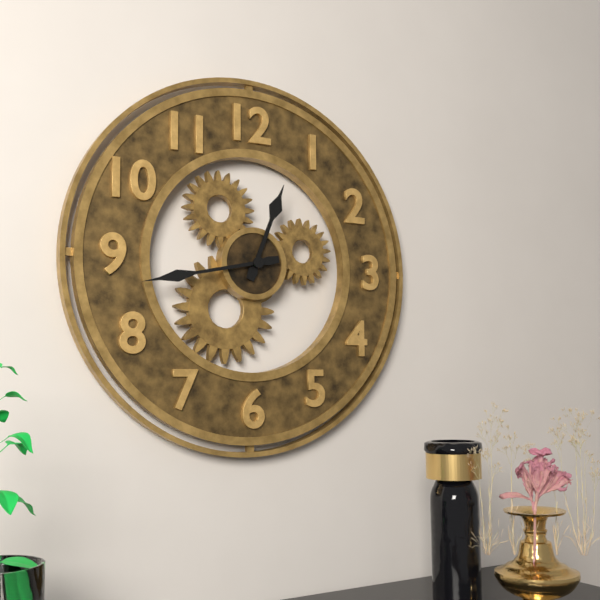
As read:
12.43
